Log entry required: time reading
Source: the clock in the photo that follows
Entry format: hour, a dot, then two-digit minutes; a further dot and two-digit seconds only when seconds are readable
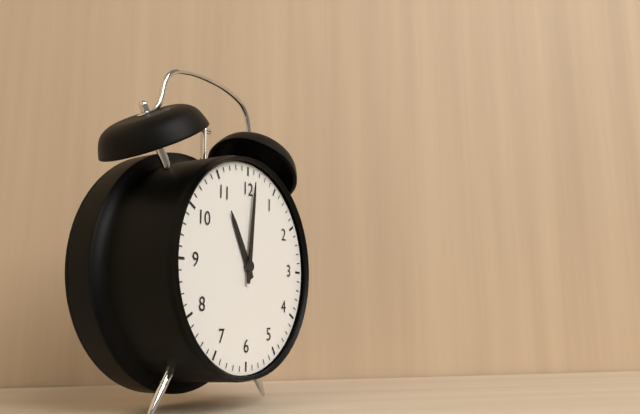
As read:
11.01
